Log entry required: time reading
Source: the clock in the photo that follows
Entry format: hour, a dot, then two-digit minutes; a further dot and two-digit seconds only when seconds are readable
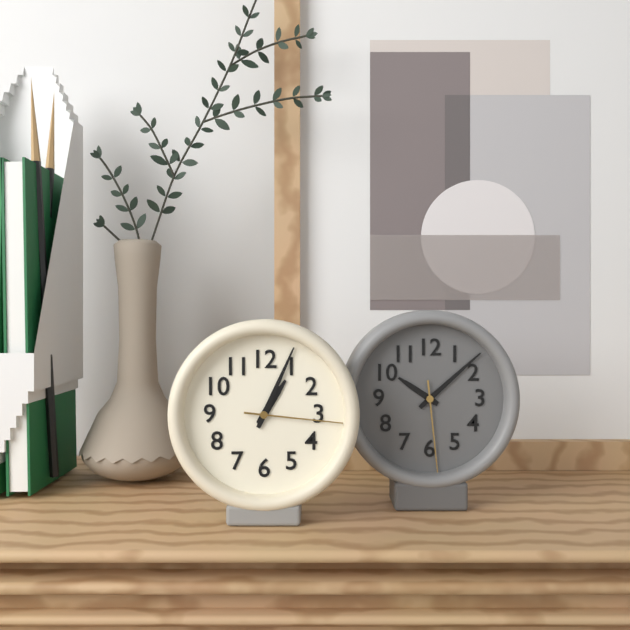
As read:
1.04.16
